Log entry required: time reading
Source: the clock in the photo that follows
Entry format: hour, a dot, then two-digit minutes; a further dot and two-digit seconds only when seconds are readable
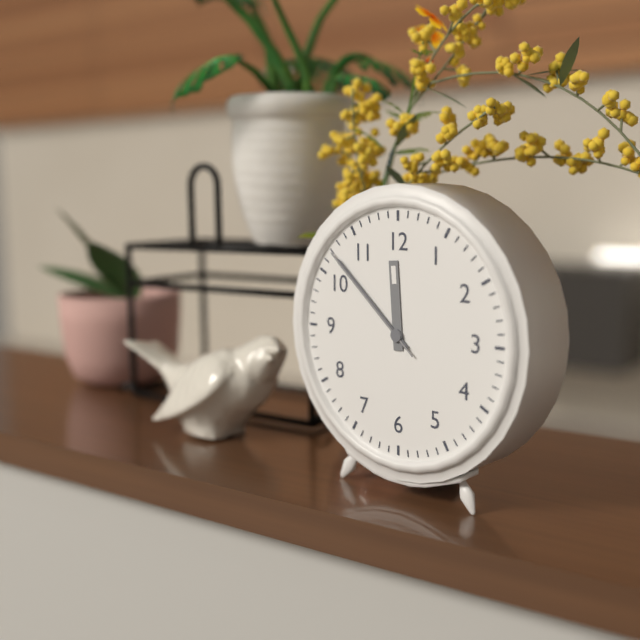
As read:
11.52.52
